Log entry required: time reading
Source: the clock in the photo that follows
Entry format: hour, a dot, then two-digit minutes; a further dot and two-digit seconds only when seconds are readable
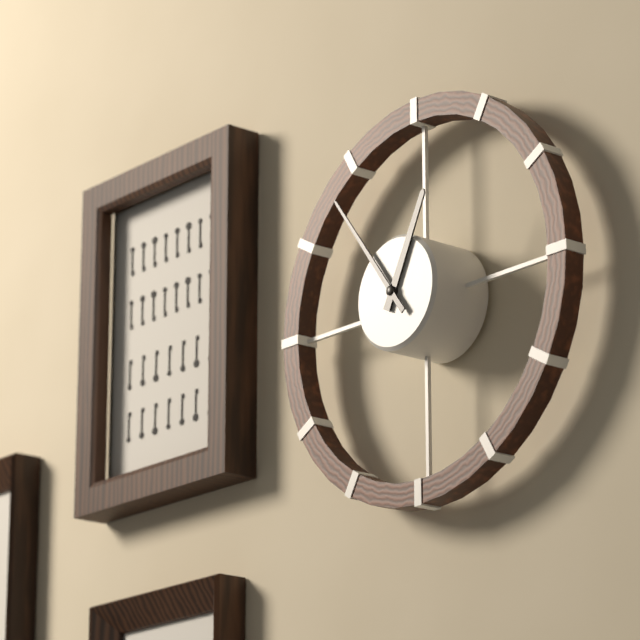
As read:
12.54
